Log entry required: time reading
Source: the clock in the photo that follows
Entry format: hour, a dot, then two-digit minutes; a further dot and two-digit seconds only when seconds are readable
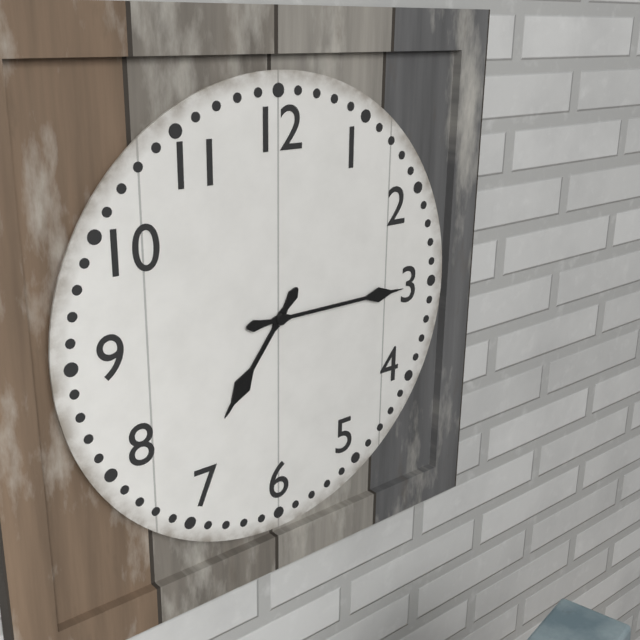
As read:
7.15
